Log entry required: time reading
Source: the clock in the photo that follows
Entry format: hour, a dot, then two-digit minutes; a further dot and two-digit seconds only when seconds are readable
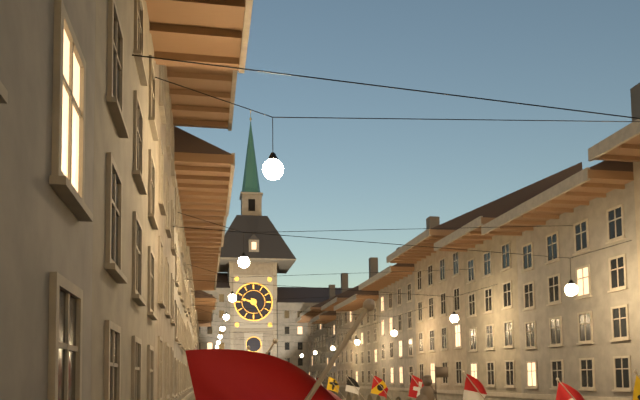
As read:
9.25
